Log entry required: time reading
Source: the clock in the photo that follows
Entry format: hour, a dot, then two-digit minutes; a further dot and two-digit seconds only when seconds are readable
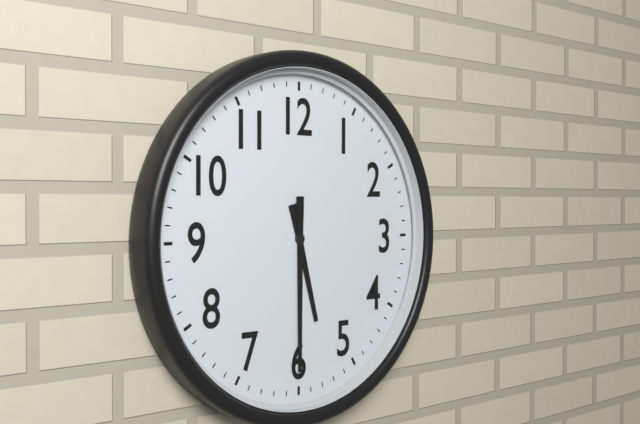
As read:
5.30
